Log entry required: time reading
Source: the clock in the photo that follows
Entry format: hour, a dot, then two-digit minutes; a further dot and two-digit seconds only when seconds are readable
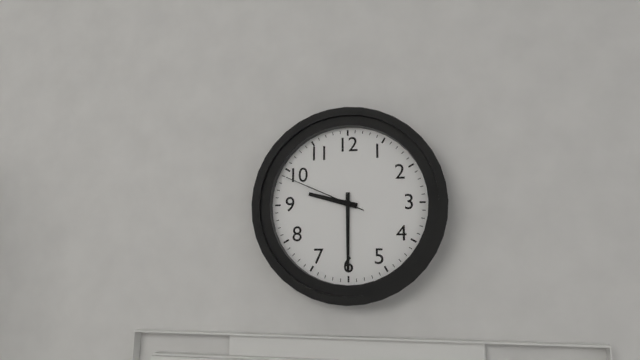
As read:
9.30.49
